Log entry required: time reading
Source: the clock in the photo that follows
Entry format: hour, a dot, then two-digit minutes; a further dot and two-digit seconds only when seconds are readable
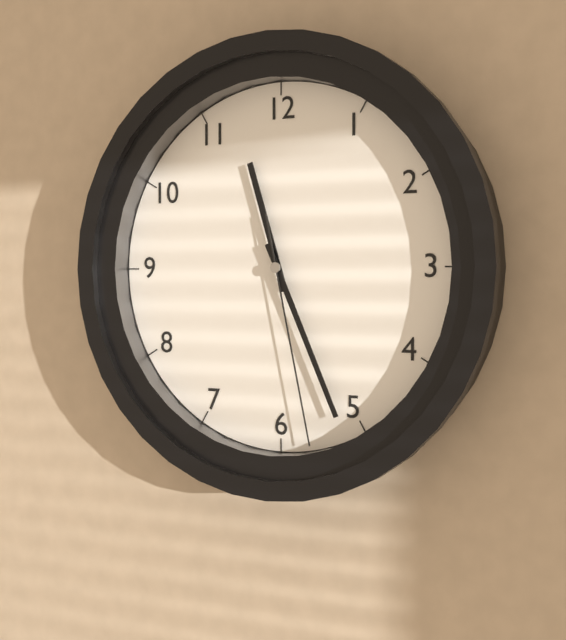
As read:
11.26.28
